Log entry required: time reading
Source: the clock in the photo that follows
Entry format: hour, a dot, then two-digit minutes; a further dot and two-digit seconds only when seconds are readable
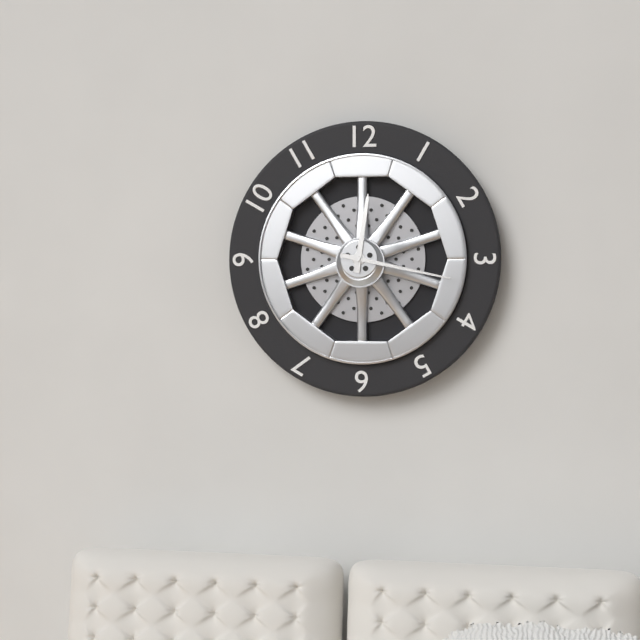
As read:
12.17
